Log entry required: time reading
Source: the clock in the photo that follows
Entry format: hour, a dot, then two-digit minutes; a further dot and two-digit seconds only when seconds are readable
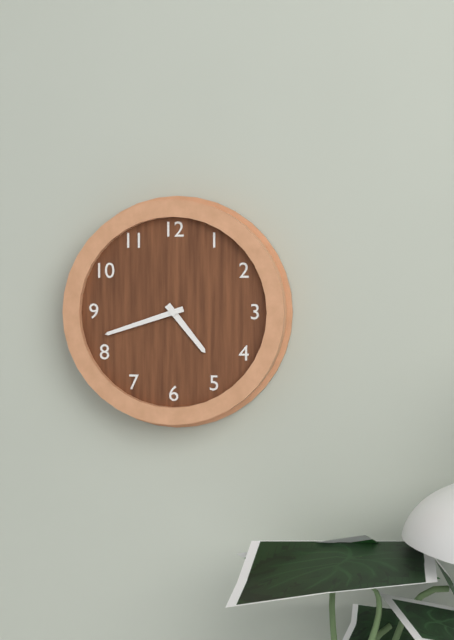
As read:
4.42
